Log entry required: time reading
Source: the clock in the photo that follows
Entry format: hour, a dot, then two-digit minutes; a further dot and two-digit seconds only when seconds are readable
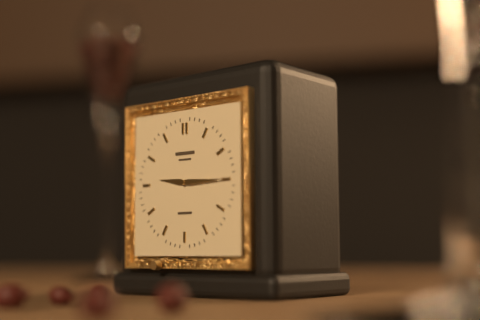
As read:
9.15
